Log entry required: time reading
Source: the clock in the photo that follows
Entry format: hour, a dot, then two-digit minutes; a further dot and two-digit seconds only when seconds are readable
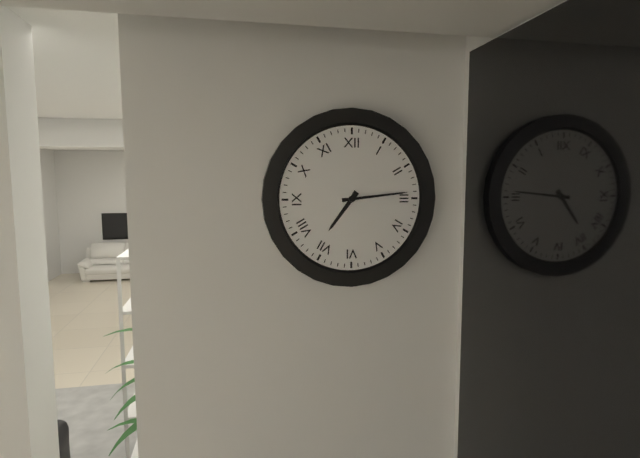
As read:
7.14
